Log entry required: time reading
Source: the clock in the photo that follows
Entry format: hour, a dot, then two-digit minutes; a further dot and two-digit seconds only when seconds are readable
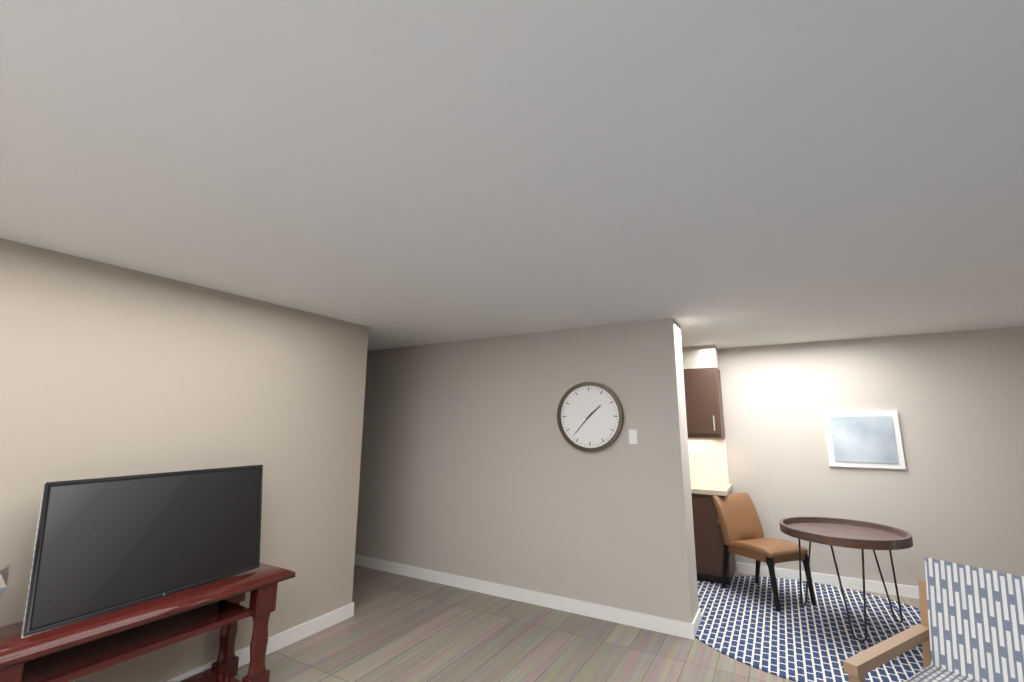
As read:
1.37
